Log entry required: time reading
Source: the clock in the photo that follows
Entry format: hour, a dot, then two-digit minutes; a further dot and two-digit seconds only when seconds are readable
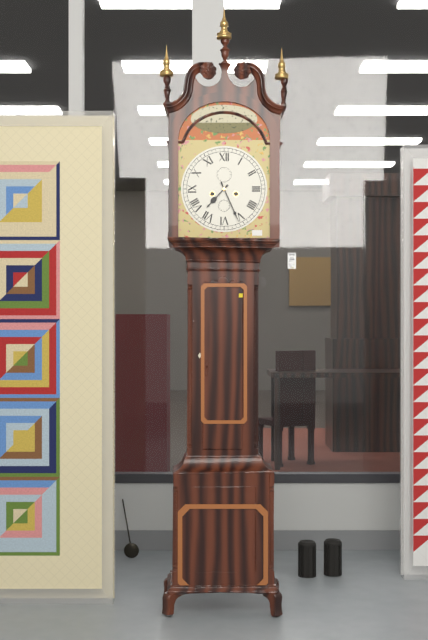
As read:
7.26
